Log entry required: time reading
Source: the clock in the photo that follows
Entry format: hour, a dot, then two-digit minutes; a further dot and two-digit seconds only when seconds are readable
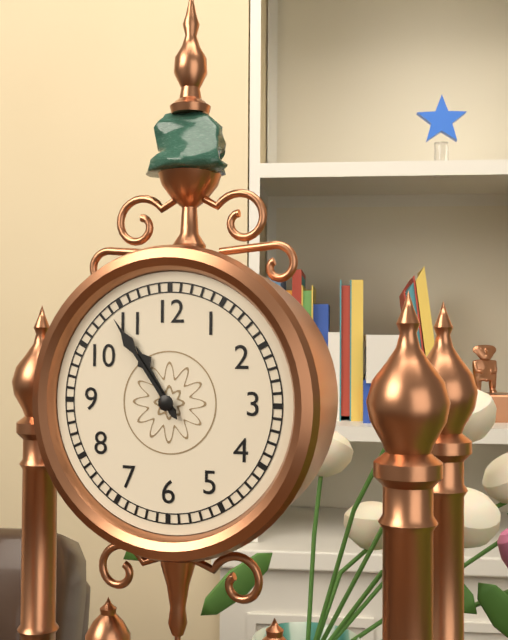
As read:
10.54
